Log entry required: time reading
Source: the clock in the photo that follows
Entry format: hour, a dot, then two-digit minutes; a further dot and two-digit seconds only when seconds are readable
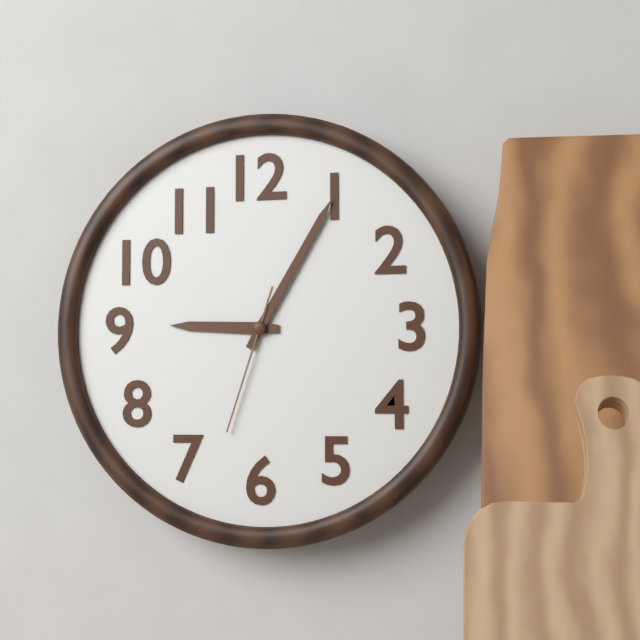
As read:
9.05.33
